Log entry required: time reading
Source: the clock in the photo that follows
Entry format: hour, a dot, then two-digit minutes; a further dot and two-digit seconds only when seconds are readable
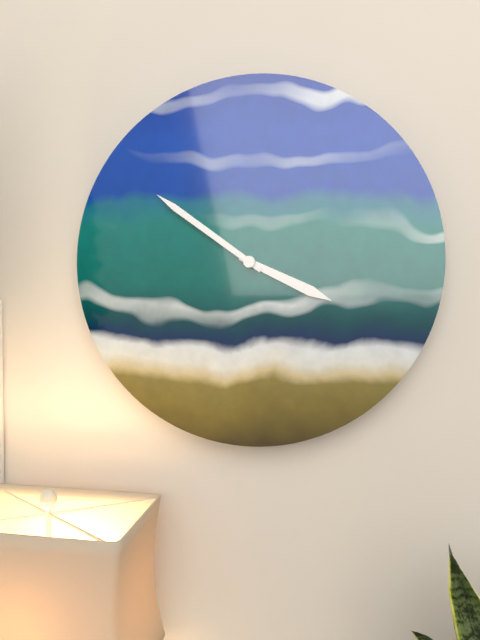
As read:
3.51
